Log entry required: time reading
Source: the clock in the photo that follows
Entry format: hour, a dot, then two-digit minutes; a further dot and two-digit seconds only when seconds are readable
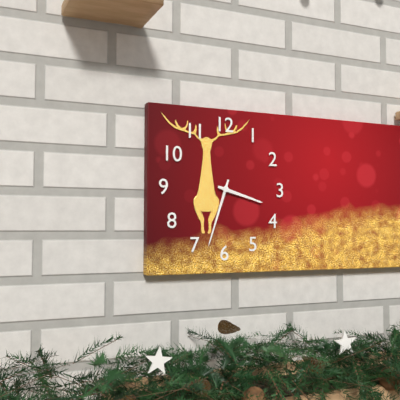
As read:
3.33
